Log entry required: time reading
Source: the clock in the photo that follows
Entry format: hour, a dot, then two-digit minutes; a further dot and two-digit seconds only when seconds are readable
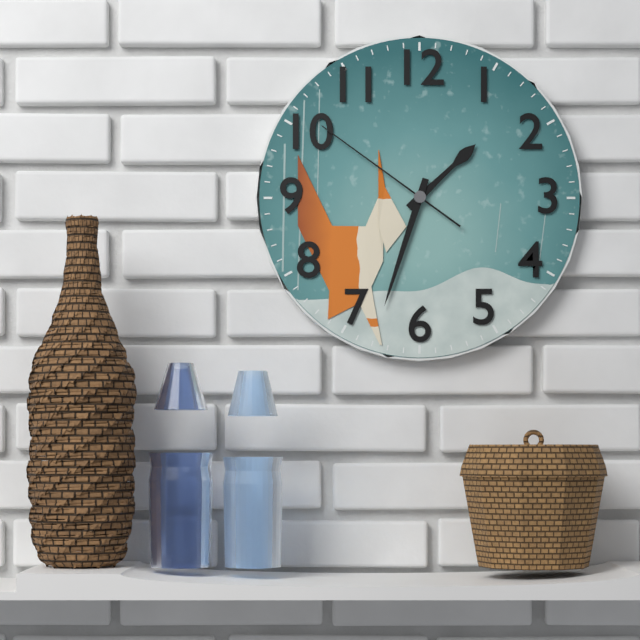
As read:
1.33.51
